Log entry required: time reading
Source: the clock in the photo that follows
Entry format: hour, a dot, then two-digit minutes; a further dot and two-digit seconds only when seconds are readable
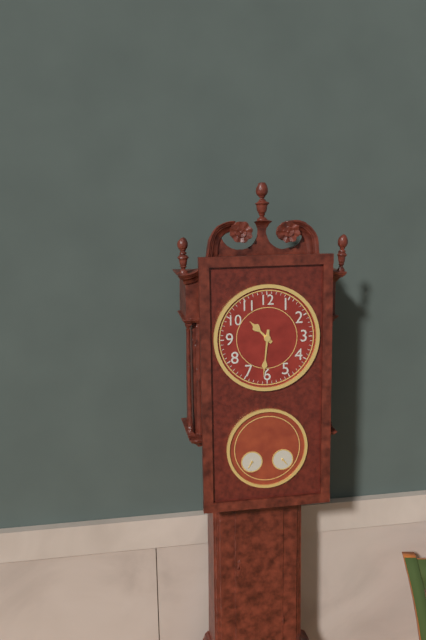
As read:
10.31
